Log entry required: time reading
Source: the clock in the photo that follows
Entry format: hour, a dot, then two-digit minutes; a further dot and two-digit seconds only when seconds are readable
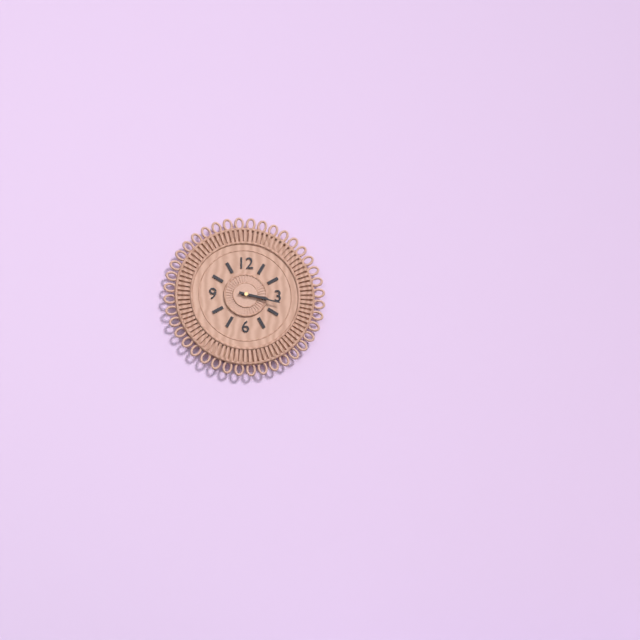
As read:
3.17
